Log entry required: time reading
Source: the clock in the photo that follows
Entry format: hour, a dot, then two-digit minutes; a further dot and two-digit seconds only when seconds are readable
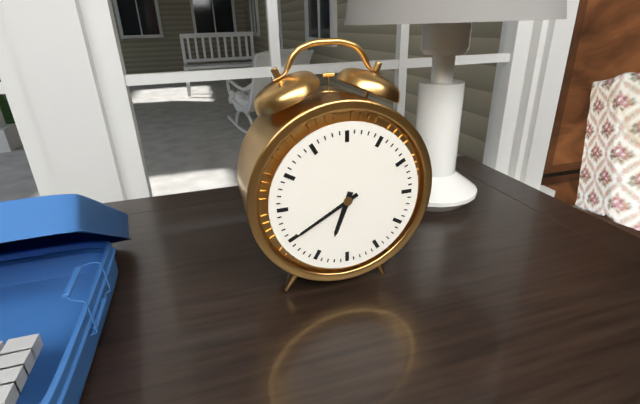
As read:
6.40
